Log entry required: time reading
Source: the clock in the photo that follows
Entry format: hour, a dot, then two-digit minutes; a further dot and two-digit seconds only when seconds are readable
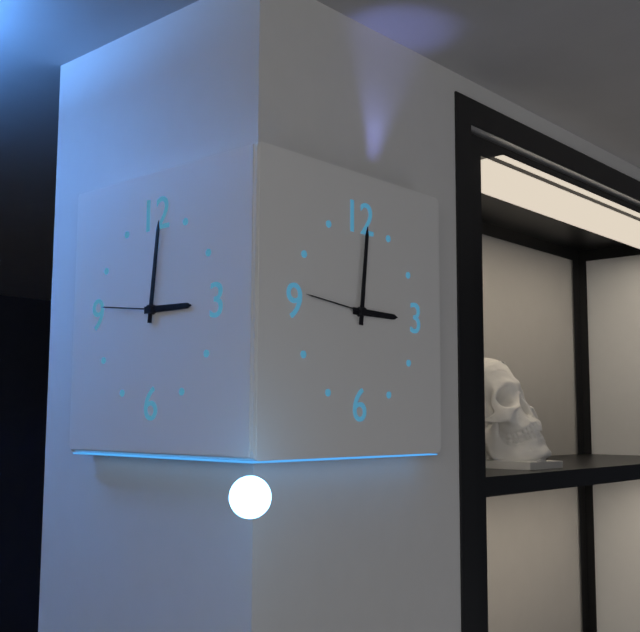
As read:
3.01.46
